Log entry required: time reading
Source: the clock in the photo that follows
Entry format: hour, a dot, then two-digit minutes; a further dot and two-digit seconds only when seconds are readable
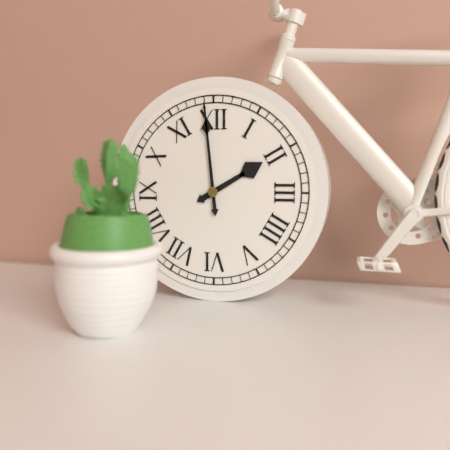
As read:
1.59
